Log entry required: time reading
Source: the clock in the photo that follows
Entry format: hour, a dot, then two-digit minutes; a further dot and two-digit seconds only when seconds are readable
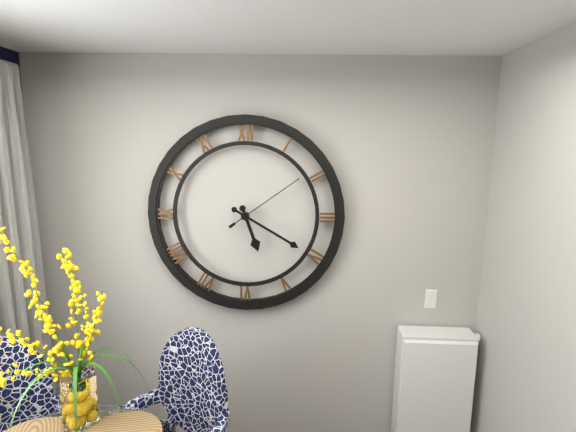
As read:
5.20.09
